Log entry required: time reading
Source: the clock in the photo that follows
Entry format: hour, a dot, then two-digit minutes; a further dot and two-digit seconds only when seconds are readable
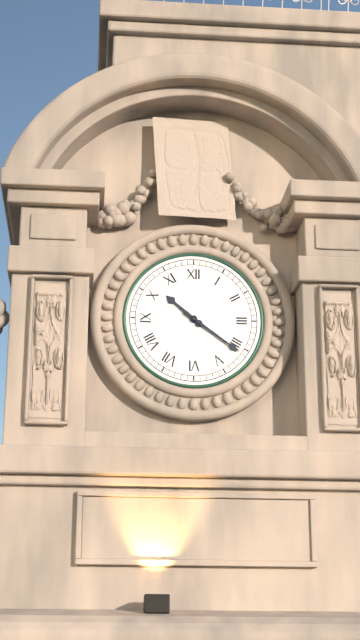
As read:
10.21
